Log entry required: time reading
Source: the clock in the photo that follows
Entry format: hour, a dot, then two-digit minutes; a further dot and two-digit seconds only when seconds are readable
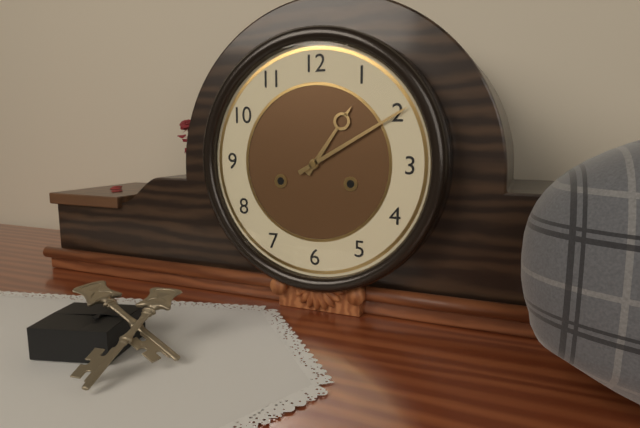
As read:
1.10
